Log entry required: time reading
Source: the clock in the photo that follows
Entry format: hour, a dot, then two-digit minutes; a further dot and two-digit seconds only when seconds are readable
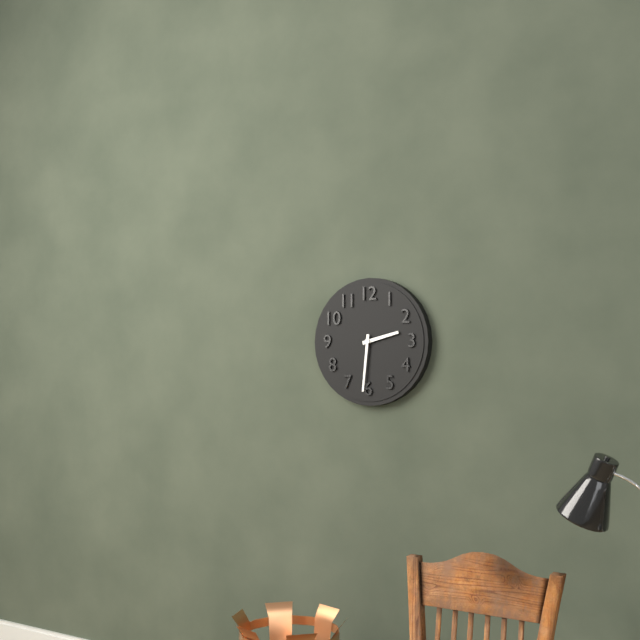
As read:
2.31
